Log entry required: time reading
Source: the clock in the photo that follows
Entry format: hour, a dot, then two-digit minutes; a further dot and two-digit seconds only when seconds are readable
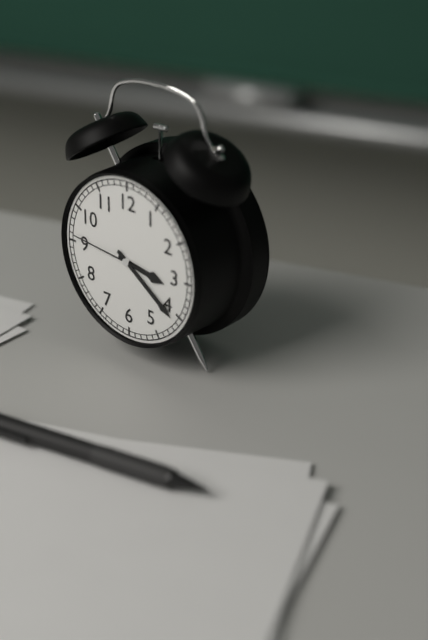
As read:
3.21.46
